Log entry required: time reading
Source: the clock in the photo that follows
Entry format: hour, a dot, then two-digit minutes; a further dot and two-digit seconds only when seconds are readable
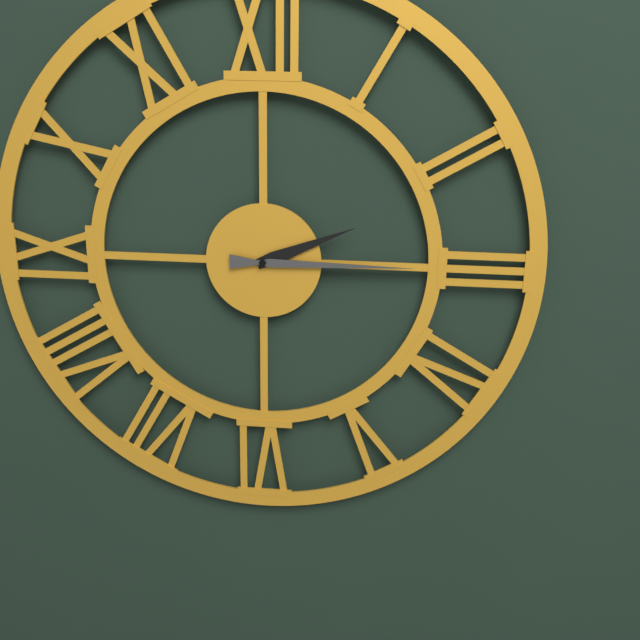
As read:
2.15
